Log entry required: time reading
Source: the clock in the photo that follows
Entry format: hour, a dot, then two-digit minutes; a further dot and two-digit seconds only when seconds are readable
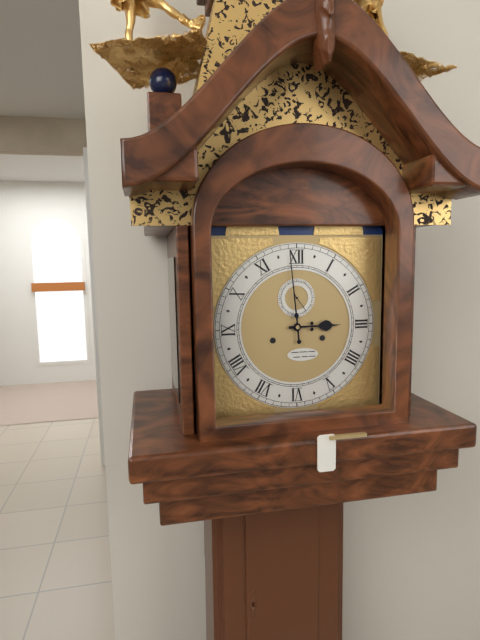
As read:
2.59
